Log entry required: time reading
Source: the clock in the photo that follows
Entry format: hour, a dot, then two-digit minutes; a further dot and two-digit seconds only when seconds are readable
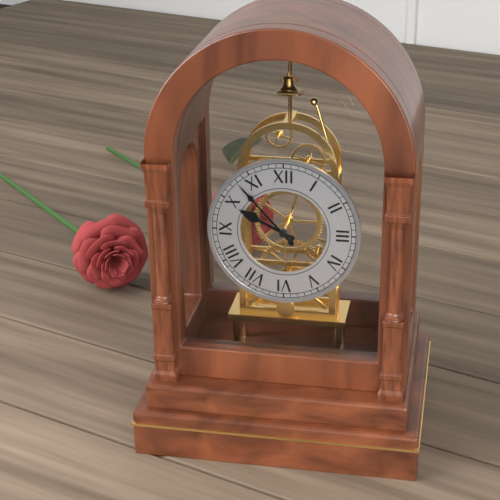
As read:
9.53
